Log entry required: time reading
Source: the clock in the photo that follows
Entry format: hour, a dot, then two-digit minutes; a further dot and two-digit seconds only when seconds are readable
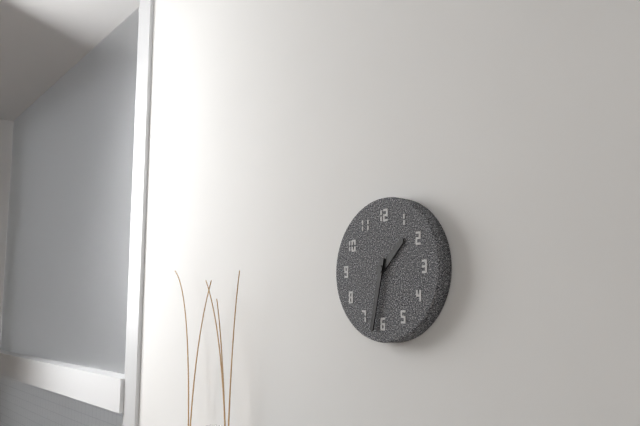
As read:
1.32
